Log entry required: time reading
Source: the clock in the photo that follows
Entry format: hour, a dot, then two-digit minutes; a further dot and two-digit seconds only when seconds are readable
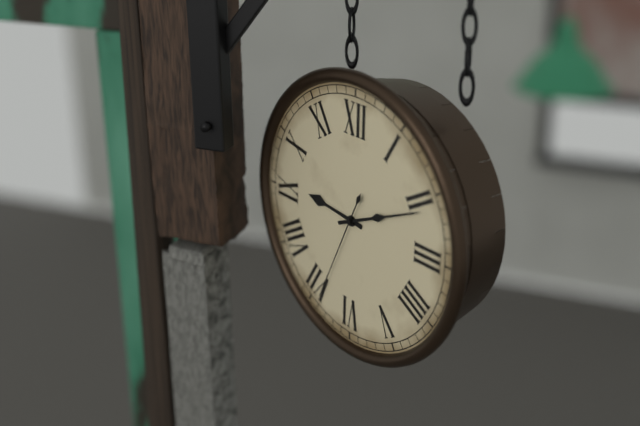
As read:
9.11.34
